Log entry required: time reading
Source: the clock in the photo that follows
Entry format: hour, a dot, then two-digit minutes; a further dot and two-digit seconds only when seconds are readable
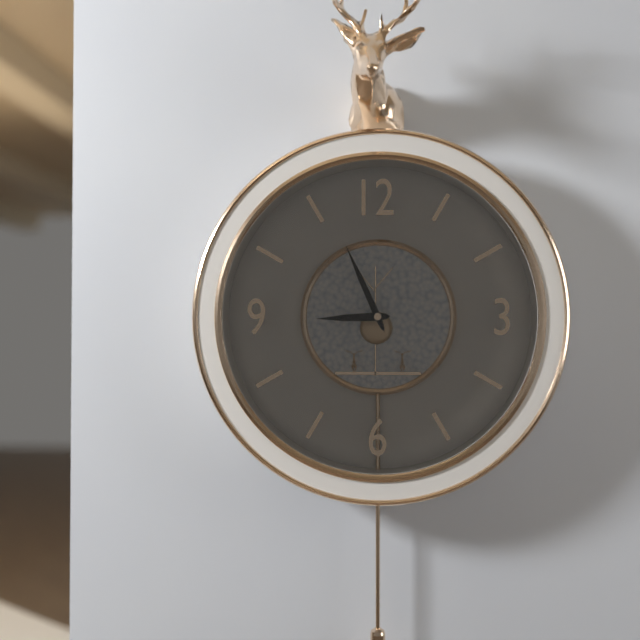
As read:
8.56
